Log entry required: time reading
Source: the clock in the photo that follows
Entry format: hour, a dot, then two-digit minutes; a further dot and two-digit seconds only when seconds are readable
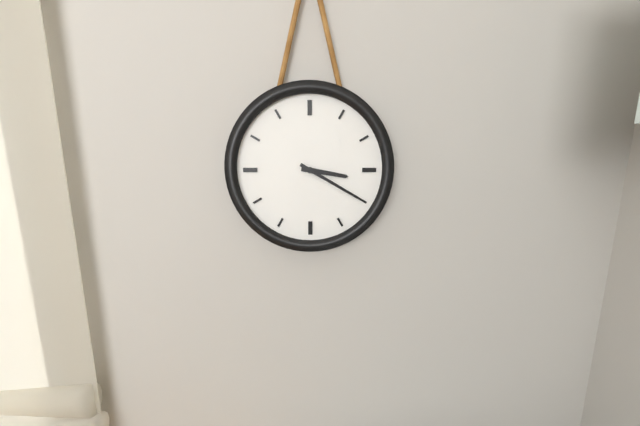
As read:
3.20
